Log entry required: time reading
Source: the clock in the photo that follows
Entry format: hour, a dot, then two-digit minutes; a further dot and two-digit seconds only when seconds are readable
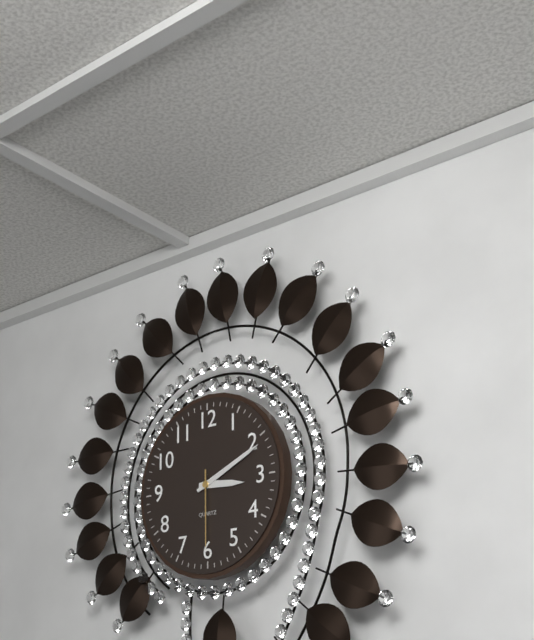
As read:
3.11.30
